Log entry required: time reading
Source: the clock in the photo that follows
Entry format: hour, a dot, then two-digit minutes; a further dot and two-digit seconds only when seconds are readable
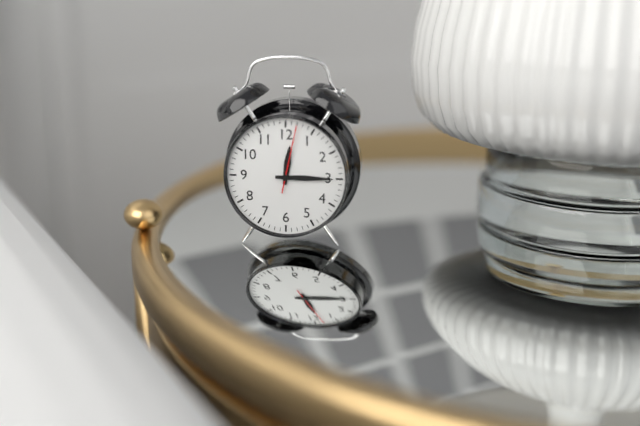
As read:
12.15.02
